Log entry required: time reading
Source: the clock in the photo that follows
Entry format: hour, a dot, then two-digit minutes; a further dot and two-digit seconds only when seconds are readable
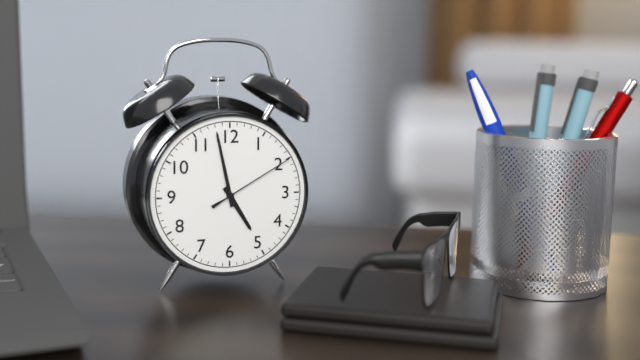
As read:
4.58.10
